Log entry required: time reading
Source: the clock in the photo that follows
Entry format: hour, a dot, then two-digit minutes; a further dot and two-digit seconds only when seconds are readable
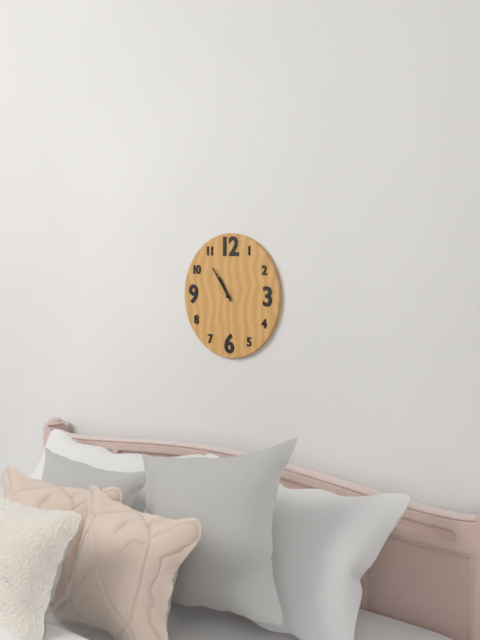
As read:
10.54
